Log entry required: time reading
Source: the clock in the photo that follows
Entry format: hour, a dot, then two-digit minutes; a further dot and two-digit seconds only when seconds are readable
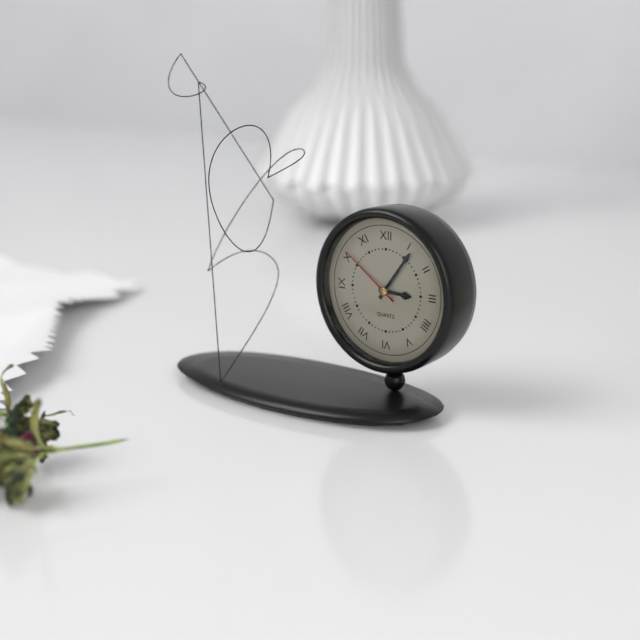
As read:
3.06.51
